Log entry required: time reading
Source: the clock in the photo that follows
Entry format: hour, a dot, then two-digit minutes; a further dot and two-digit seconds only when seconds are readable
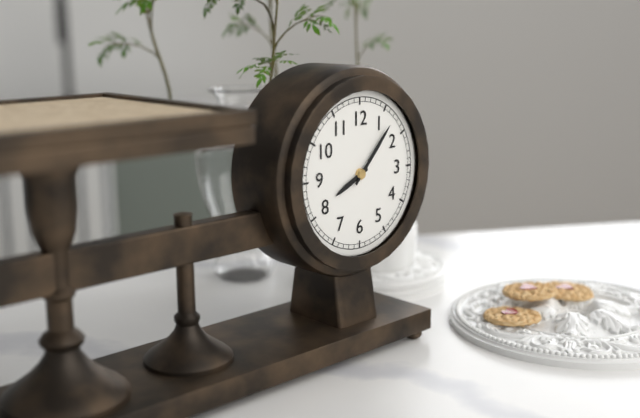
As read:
8.07
